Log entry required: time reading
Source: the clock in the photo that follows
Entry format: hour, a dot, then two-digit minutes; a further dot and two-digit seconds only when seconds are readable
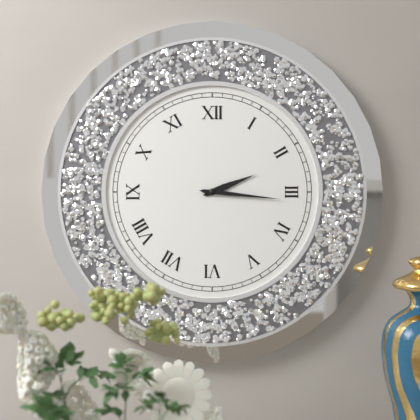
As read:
2.16
